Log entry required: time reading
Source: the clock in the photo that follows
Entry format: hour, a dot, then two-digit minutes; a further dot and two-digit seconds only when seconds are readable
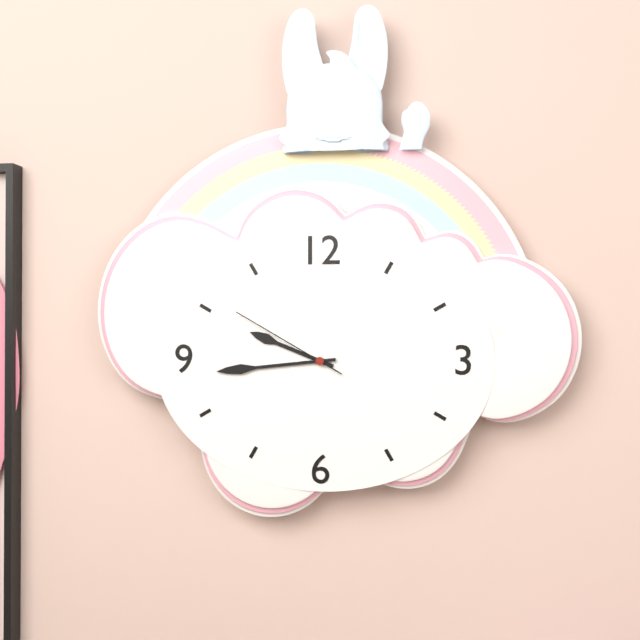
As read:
9.44.50
